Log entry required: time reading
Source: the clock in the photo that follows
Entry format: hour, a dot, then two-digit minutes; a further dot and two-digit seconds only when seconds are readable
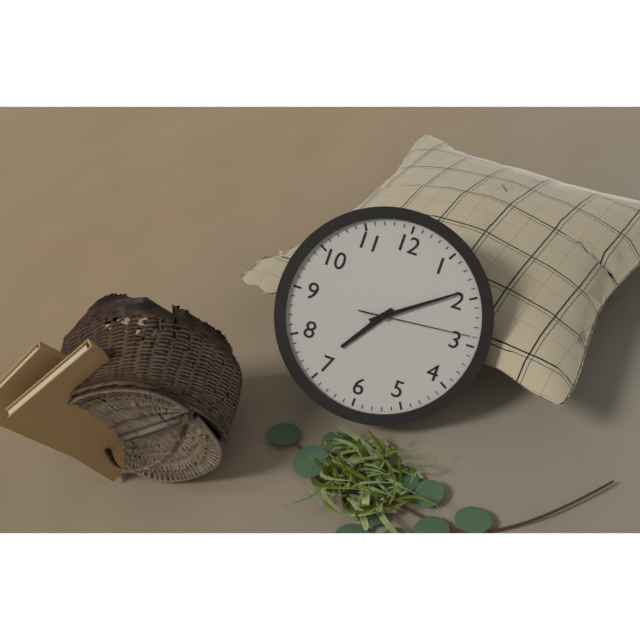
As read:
7.09.14
